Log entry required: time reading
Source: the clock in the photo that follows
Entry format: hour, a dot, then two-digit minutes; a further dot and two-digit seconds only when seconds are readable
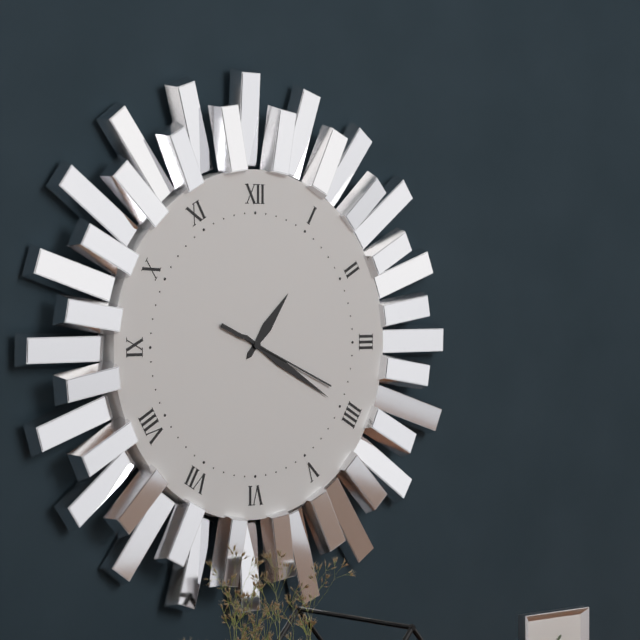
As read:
1.20.19
